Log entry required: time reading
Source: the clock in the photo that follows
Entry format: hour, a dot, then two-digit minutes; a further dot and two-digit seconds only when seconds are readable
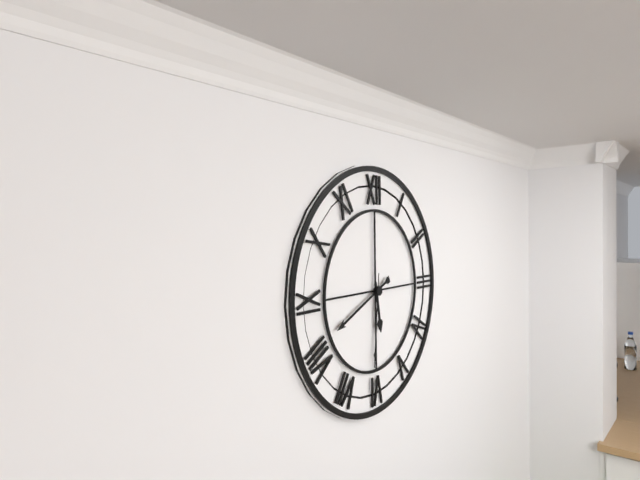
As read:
5.41.31
